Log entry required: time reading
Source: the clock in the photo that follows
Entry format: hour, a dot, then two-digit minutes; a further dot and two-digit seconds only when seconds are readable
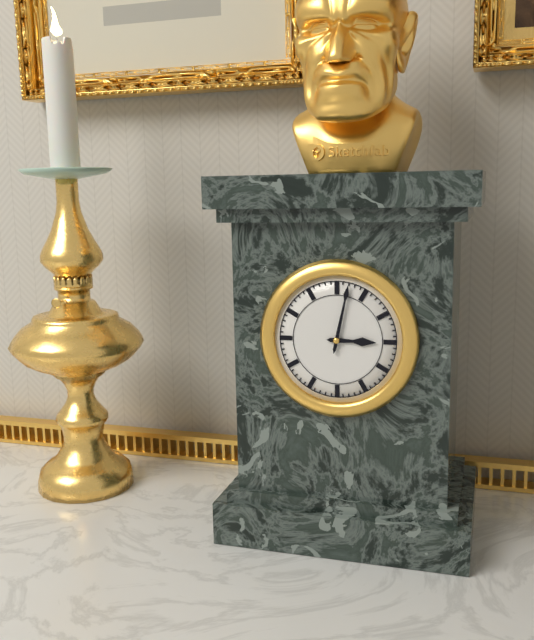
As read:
3.02
